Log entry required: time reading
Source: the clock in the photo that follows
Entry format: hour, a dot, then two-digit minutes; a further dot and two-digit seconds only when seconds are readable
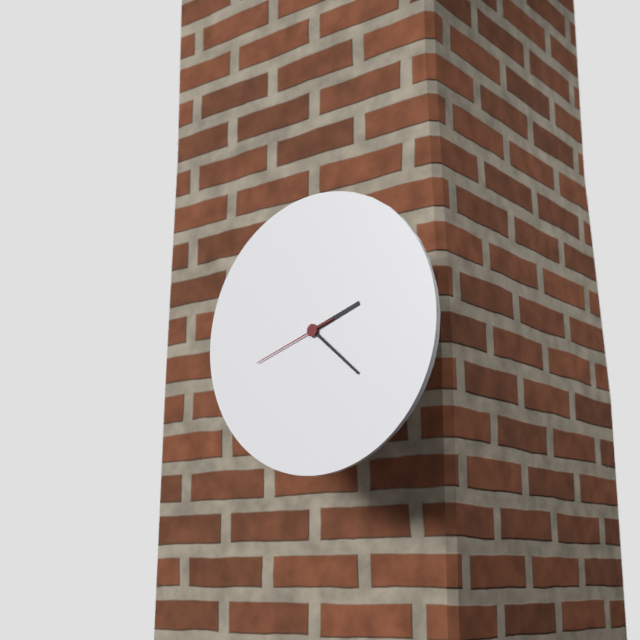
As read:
2.22.42
